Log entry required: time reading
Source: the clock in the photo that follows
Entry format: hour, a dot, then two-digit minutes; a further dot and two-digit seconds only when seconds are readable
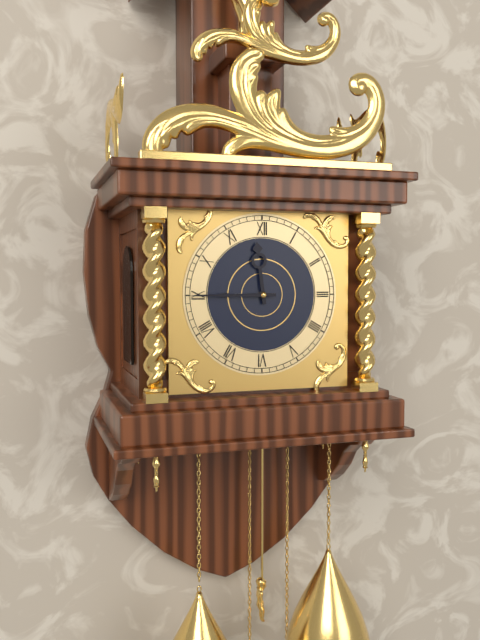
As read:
11.45
